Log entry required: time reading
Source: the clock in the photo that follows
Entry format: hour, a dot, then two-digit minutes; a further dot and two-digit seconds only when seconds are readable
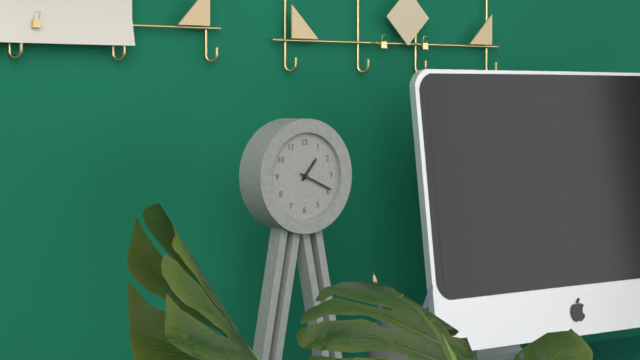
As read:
1.19
